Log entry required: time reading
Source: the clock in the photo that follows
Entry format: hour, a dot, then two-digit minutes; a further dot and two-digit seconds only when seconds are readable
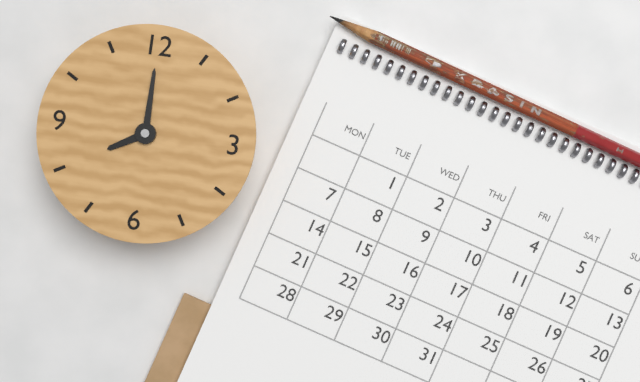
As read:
8.00
